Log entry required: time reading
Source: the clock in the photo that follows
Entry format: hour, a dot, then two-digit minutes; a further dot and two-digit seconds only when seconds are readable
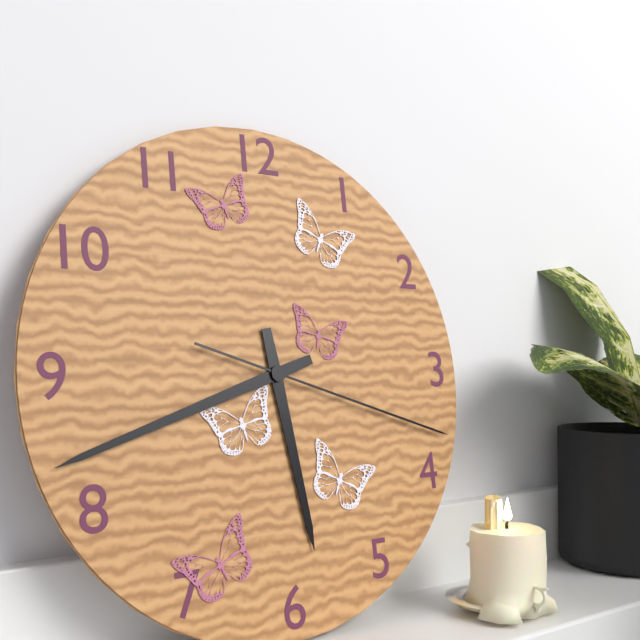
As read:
5.42.18
